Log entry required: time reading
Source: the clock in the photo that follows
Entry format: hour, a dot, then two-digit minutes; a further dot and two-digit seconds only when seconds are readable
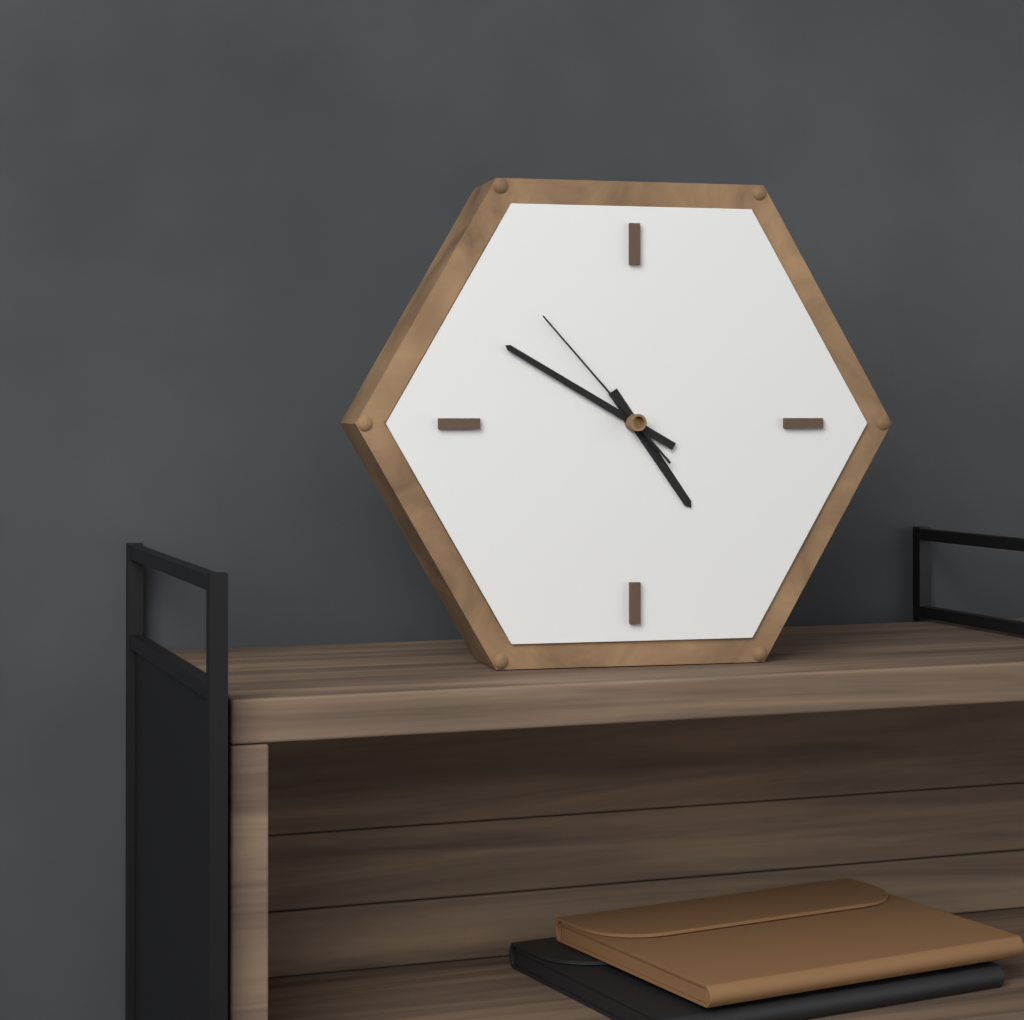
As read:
4.50.53
